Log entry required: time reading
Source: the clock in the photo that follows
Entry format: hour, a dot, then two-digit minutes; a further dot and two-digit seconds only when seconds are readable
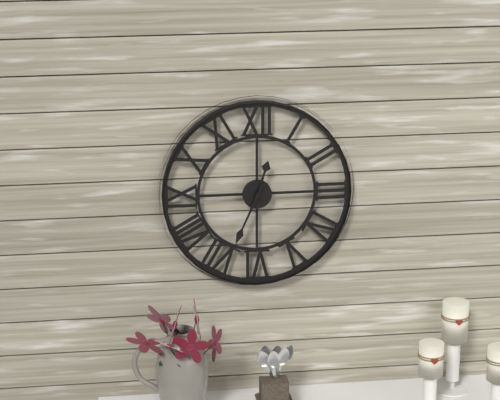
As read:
12.34
